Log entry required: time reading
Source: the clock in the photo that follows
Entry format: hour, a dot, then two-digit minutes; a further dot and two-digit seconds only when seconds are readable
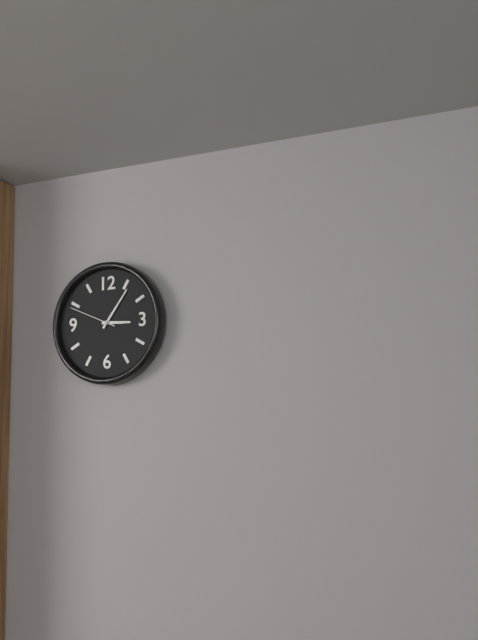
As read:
3.06.49
